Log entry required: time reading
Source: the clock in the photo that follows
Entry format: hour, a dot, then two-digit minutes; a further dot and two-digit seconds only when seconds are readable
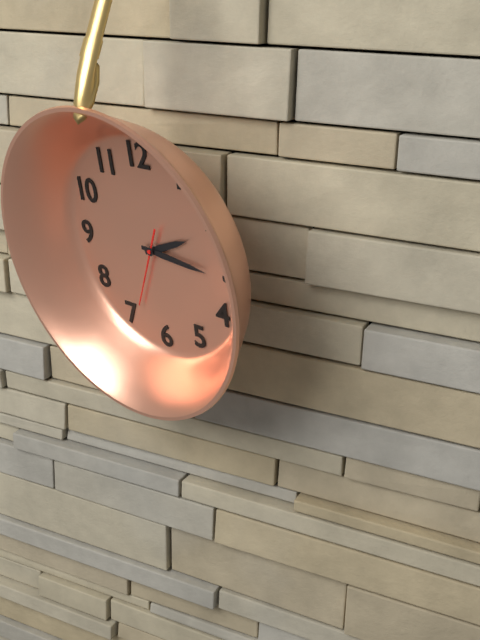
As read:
2.16.34
